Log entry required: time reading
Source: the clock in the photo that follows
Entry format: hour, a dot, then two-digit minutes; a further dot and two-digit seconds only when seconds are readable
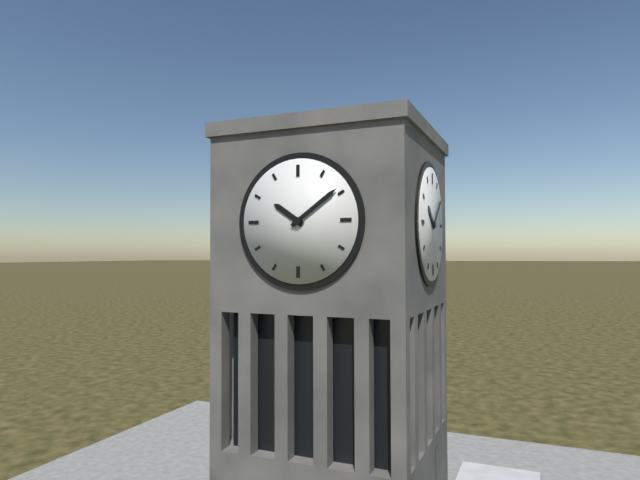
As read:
10.09
